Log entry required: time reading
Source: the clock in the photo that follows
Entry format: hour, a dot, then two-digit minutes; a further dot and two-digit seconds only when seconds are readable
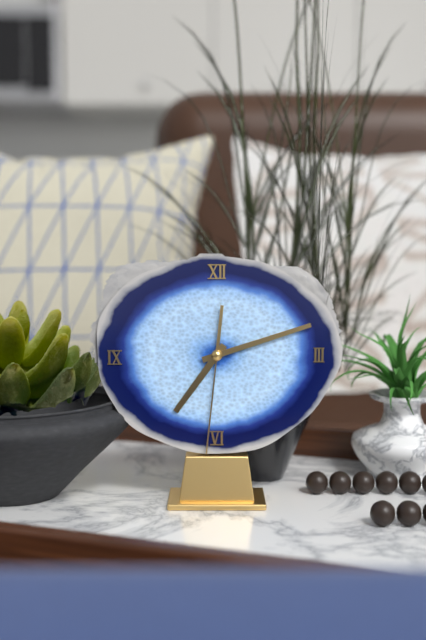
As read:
7.12.31
